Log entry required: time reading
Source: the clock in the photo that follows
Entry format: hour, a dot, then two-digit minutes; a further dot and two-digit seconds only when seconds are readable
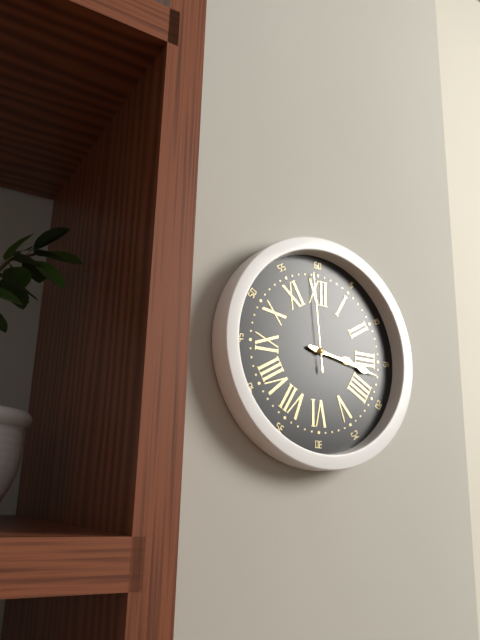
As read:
3.17.59
